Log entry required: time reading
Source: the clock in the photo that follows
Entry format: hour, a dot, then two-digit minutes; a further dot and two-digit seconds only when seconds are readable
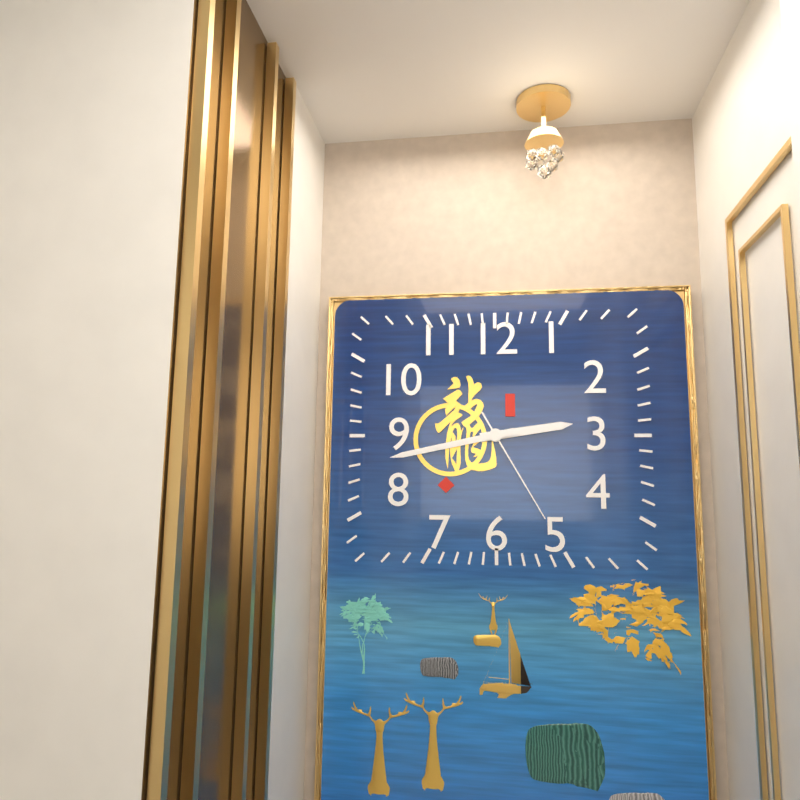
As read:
2.43.25
